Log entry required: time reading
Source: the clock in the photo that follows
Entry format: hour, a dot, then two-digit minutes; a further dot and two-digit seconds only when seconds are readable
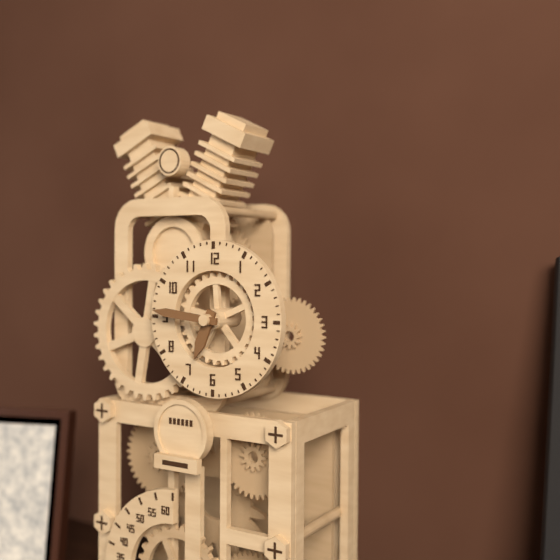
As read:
6.46
